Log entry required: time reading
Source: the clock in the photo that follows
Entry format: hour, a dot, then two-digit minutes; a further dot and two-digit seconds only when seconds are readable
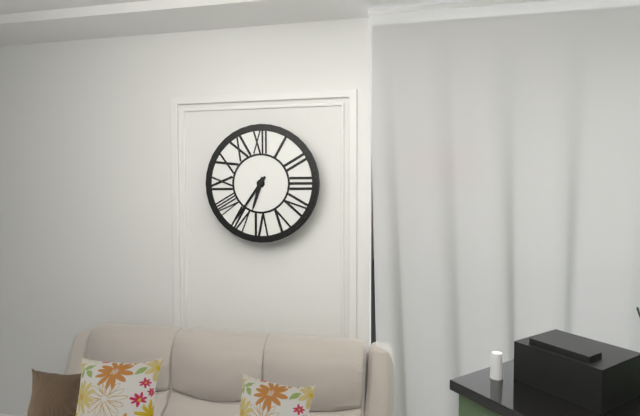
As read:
6.36
